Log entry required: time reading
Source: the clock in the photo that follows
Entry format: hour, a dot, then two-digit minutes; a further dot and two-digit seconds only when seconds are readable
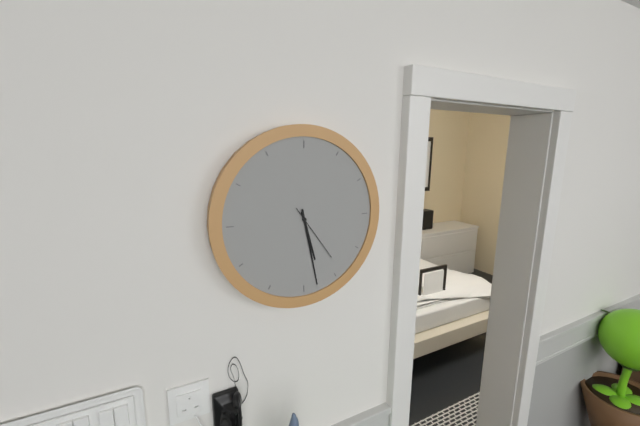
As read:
5.28.24
